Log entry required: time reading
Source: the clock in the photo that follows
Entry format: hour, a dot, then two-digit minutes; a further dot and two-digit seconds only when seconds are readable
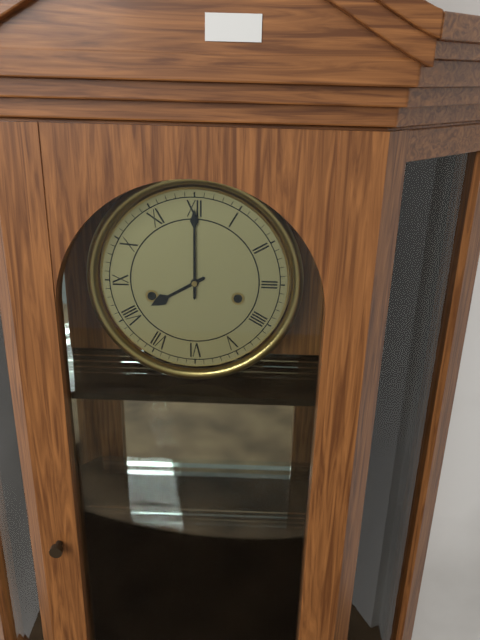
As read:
8.00
